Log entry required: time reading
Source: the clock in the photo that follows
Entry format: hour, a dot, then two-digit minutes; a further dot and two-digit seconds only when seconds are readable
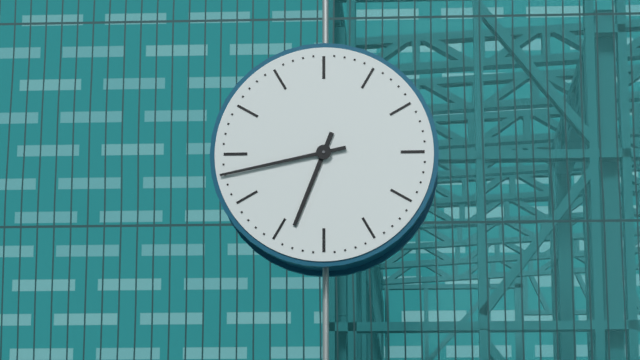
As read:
6.43
